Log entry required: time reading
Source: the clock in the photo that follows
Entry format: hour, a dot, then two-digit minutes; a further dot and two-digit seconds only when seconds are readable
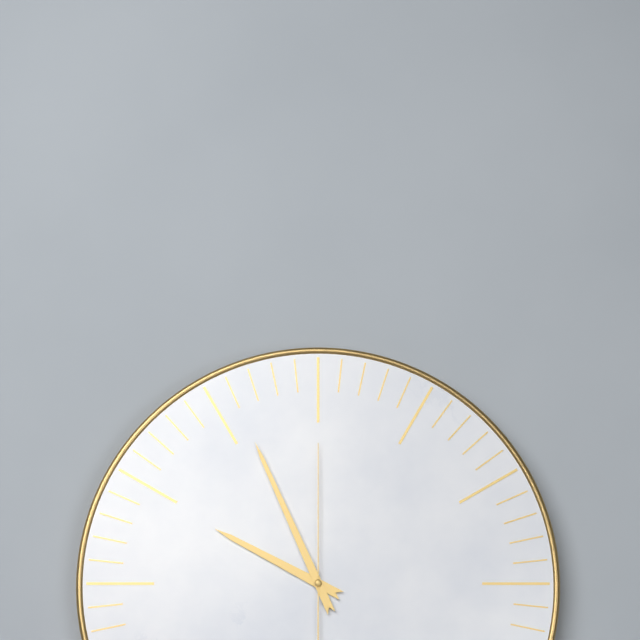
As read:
9.56.00
